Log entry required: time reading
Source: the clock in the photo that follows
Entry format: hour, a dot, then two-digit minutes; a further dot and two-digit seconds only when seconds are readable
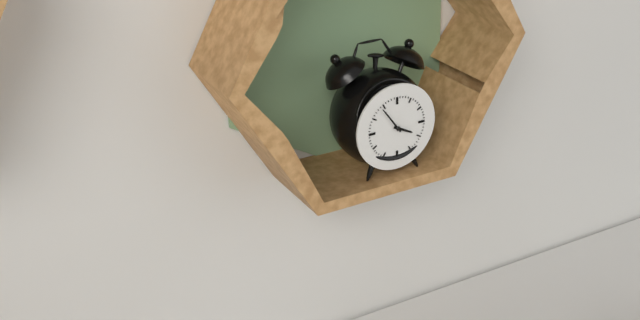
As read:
3.54
